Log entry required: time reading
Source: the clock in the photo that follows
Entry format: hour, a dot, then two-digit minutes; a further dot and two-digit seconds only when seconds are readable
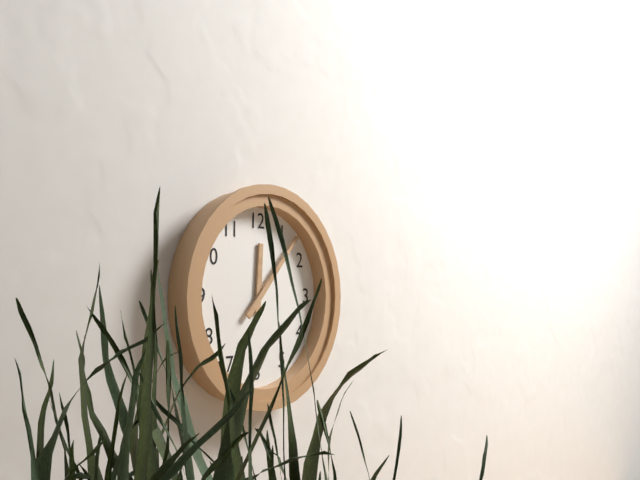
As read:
12.07
